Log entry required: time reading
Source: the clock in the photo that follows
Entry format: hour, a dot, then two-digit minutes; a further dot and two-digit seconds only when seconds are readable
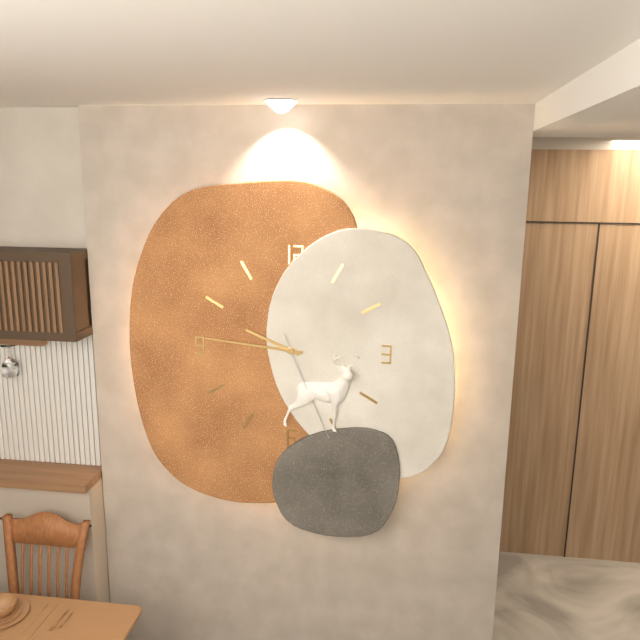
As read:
9.46.26
